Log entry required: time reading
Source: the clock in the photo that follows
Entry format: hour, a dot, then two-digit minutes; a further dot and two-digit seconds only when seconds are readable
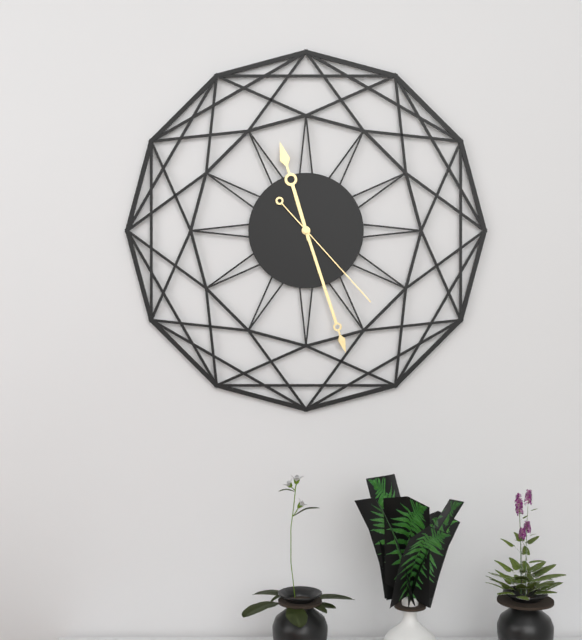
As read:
11.27.23
